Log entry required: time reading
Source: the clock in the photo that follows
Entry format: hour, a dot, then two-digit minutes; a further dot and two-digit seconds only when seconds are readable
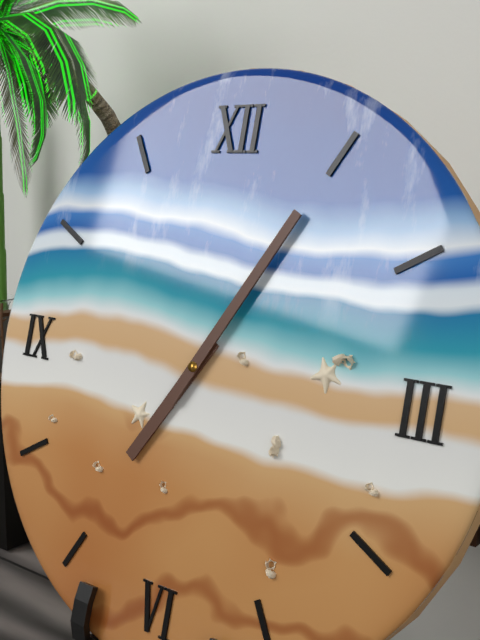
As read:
7.05
